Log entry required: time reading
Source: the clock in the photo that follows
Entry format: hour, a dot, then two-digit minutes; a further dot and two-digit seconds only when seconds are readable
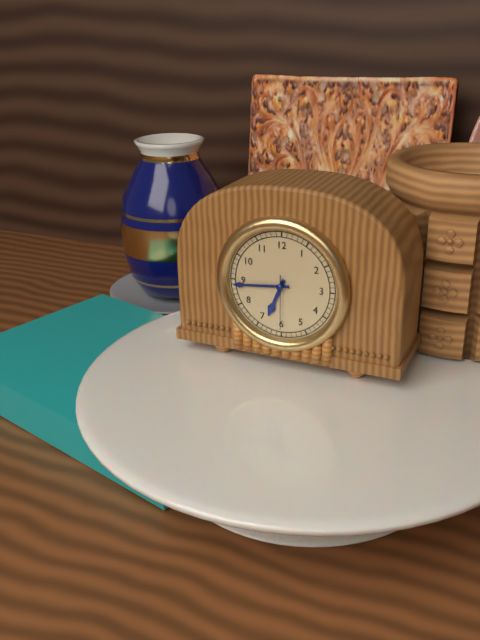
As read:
6.44.30
